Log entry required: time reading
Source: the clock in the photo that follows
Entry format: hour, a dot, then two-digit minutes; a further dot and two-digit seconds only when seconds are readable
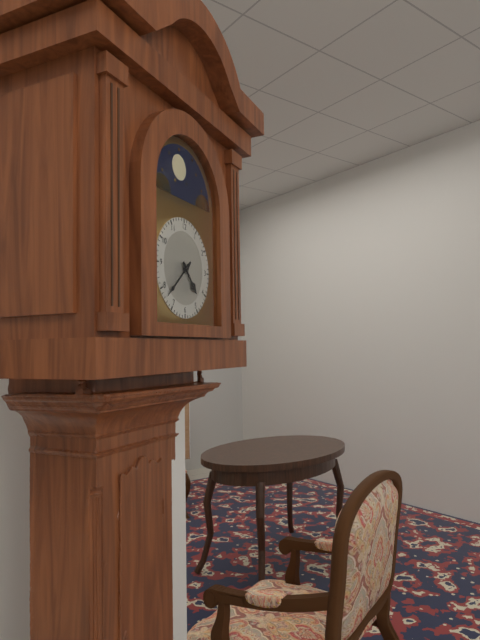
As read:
4.38
